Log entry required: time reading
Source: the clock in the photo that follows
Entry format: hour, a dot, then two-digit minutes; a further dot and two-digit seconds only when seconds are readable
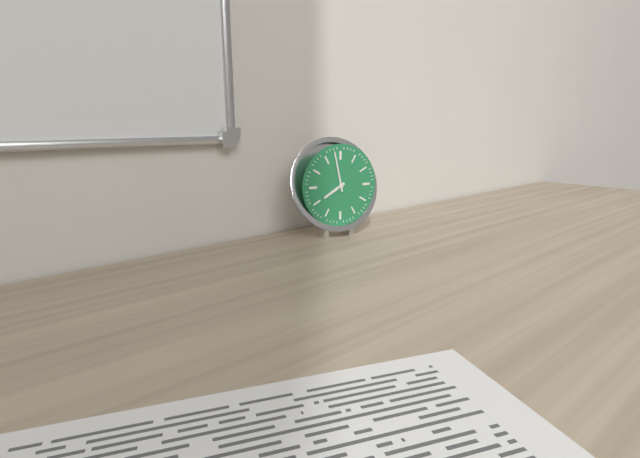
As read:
7.58
